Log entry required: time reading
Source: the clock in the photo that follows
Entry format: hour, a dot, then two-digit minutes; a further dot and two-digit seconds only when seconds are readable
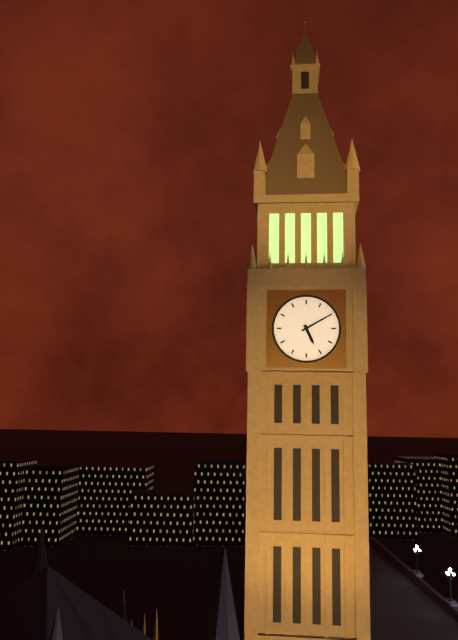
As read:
5.10
